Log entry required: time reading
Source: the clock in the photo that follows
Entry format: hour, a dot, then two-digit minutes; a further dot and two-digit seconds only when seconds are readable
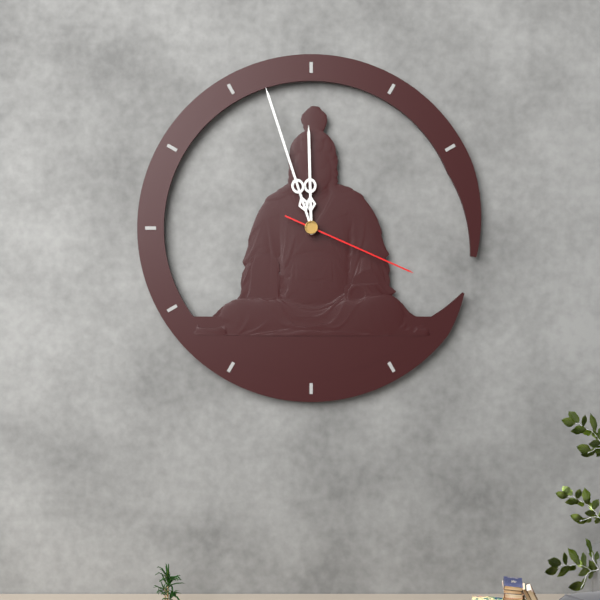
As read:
11.57.19
